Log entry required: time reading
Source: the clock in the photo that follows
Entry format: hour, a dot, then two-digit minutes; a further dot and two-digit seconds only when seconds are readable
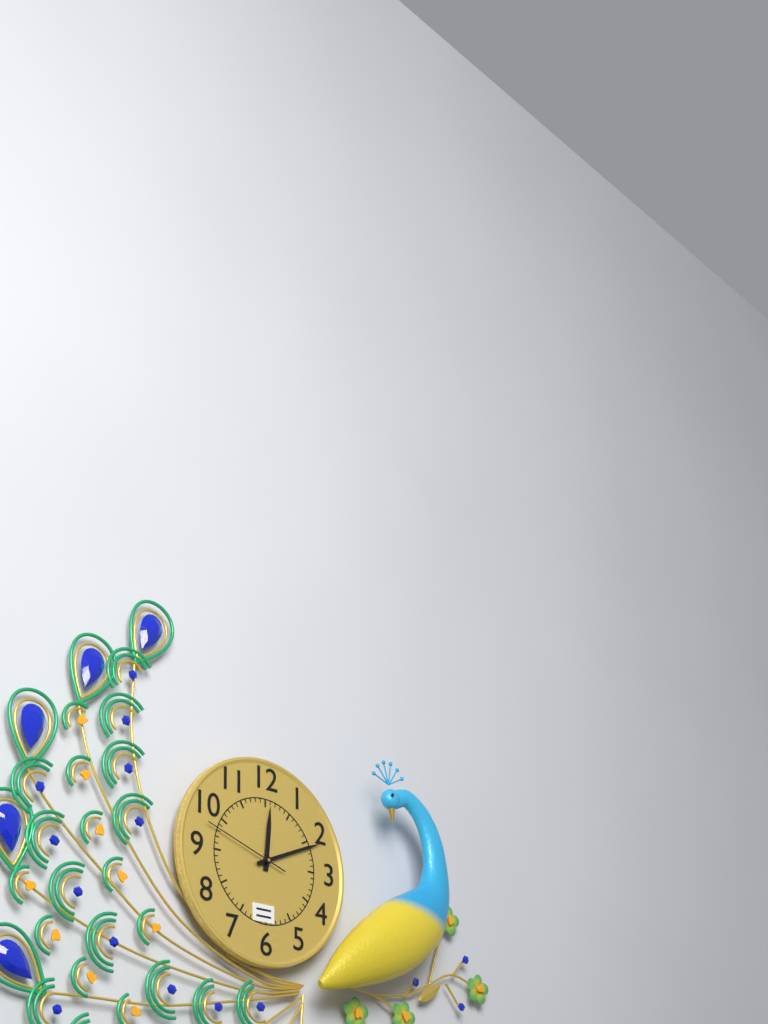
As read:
12.11.48
